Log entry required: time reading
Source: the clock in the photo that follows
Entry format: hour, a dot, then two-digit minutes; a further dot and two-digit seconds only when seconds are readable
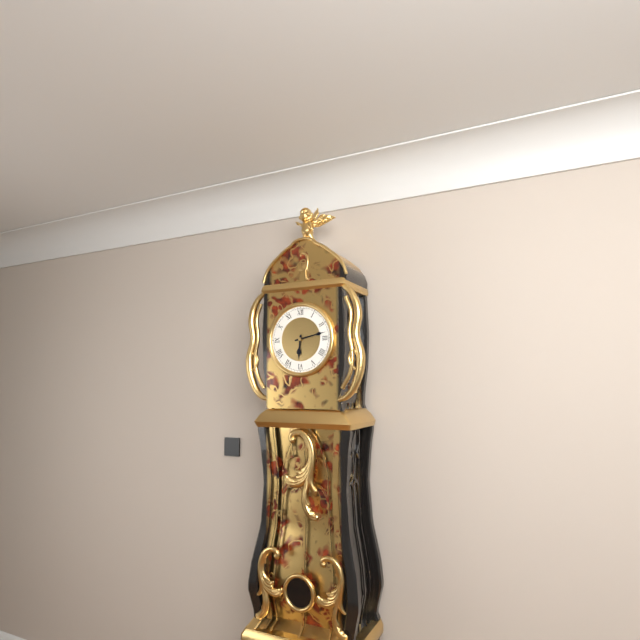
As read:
6.13
